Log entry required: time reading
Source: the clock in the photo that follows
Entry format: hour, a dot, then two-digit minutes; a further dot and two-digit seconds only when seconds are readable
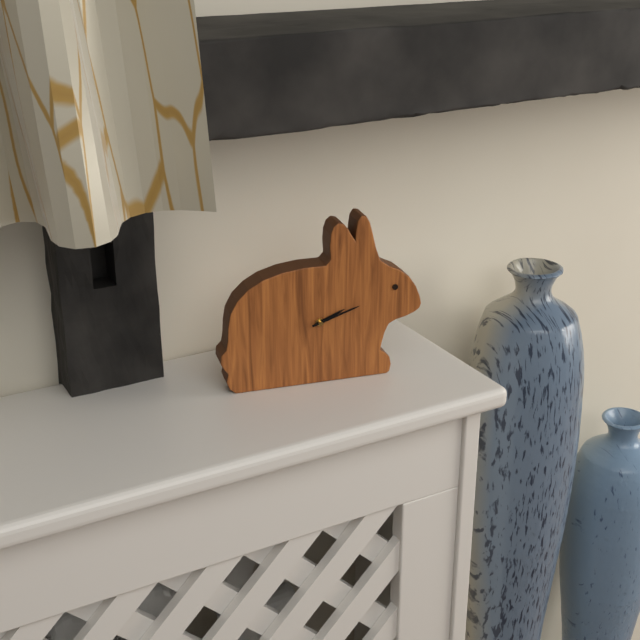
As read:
2.12
